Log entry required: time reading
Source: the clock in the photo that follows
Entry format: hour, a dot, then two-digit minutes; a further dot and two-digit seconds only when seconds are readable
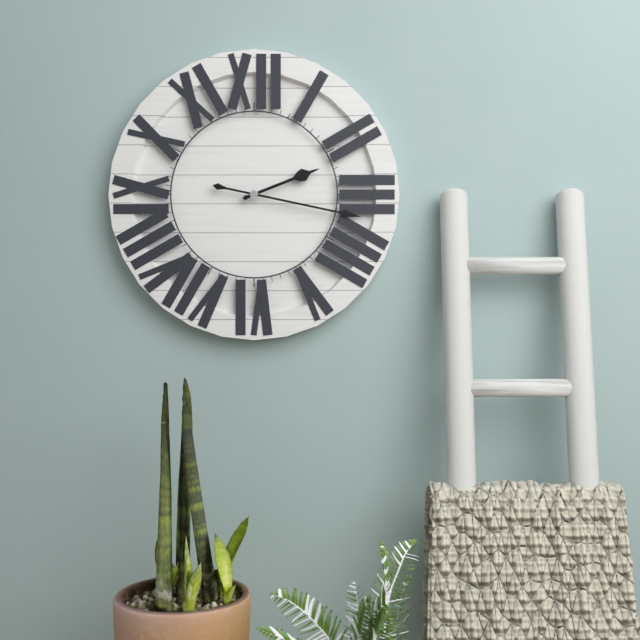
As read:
2.17
